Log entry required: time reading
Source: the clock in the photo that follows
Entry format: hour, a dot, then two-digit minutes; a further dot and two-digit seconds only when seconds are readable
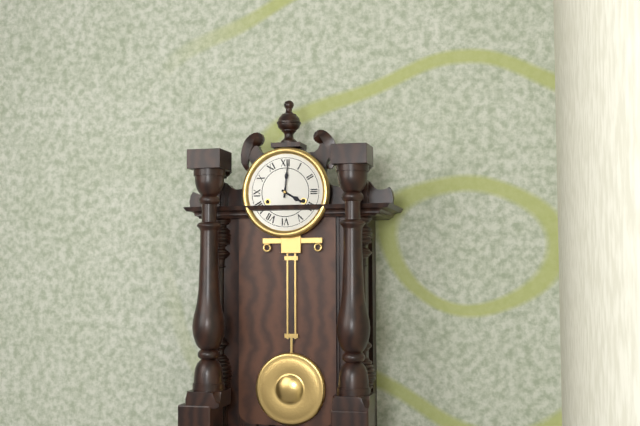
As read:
4.01
